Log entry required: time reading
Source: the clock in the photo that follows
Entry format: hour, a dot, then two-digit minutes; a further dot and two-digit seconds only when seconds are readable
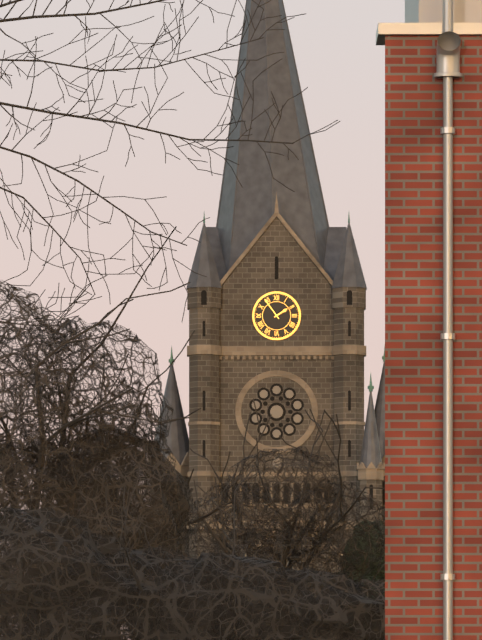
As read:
1.54
